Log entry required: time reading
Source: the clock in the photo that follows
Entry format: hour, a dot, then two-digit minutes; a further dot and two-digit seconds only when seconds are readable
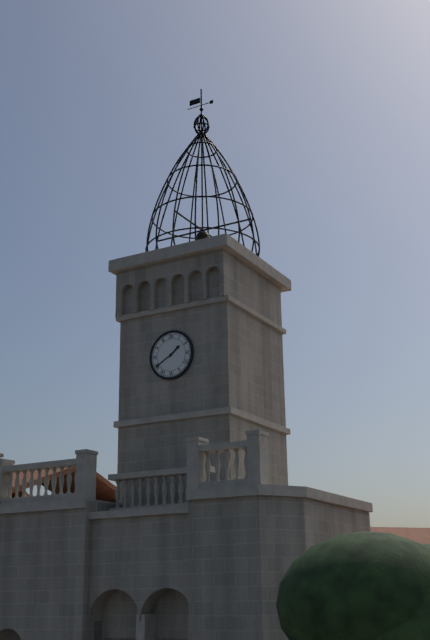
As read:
1.40
